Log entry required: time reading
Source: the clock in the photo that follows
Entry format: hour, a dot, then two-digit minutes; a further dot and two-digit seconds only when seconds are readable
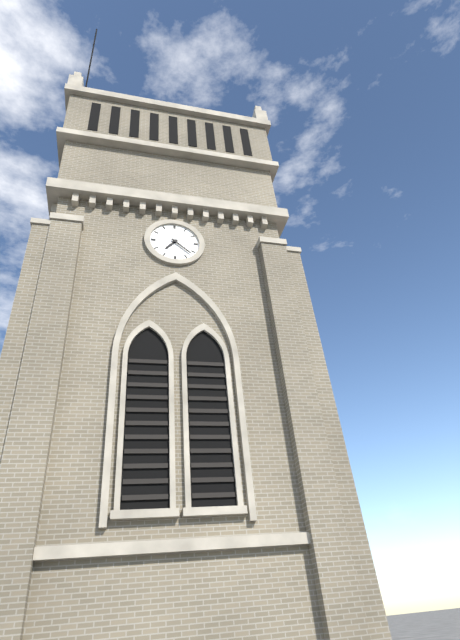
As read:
7.22
